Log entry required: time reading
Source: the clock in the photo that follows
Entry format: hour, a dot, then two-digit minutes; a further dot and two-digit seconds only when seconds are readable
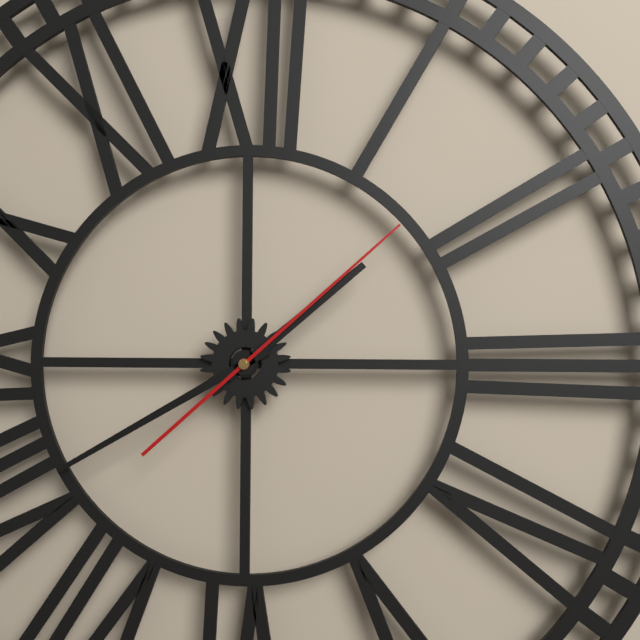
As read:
1.40.08
